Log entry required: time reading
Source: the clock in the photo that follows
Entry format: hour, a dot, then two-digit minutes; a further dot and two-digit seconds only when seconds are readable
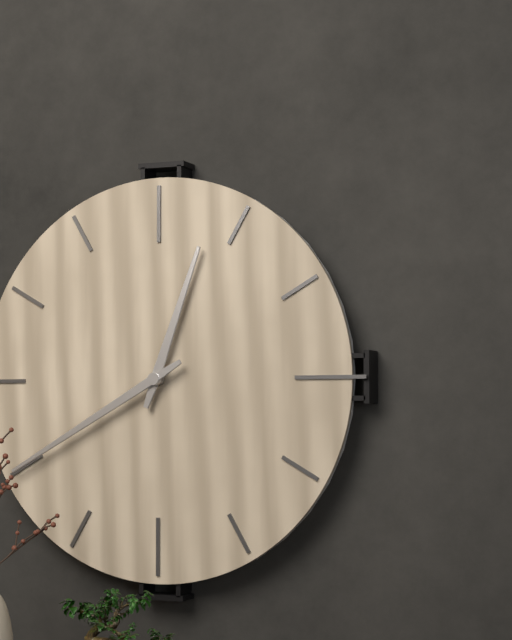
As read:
12.40
